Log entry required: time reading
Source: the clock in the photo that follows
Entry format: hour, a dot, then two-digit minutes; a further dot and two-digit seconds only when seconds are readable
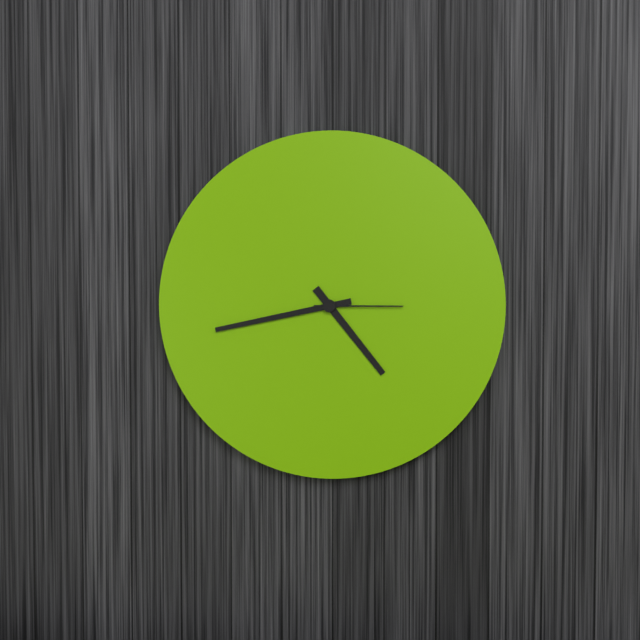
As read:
4.43.15
